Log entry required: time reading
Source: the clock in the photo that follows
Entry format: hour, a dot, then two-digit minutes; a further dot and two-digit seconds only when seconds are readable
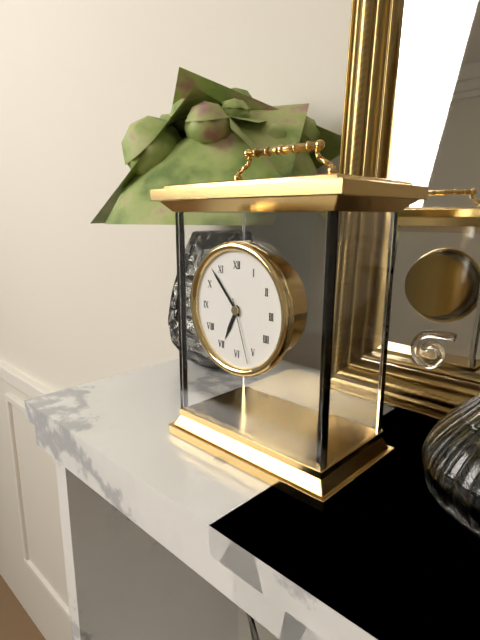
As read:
6.53.27
